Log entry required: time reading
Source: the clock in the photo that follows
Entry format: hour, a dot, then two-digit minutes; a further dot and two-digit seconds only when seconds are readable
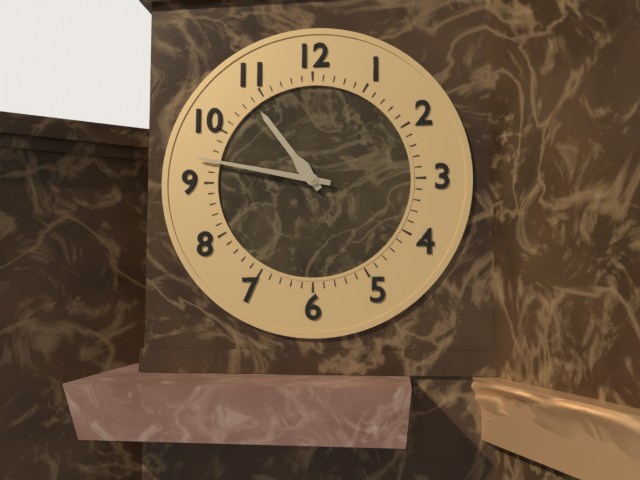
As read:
10.47
